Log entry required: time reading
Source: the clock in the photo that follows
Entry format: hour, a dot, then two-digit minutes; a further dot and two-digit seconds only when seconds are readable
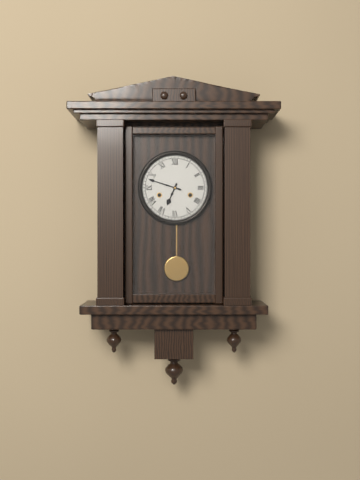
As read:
6.48
